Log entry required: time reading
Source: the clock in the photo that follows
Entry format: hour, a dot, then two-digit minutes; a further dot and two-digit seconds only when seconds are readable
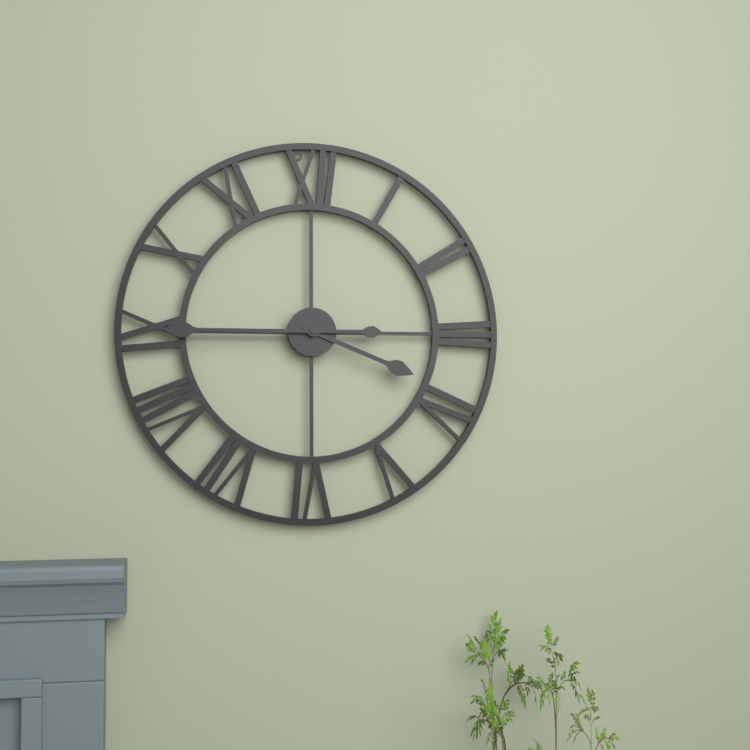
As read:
3.45
